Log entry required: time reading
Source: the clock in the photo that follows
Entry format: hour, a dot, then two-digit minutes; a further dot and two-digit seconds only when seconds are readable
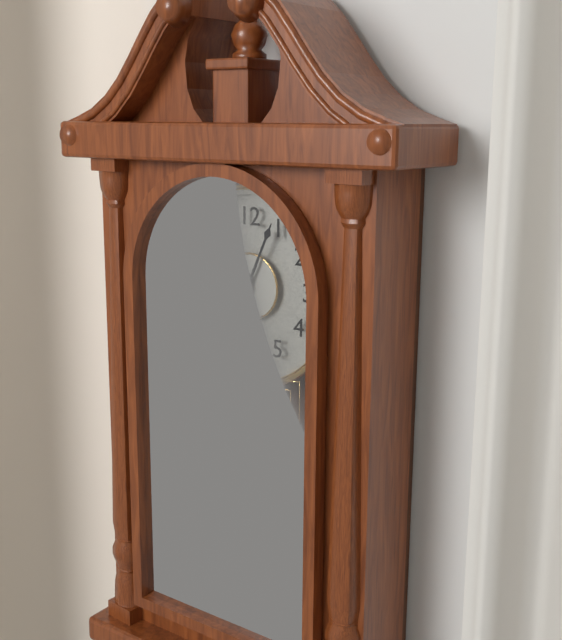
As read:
6.04
